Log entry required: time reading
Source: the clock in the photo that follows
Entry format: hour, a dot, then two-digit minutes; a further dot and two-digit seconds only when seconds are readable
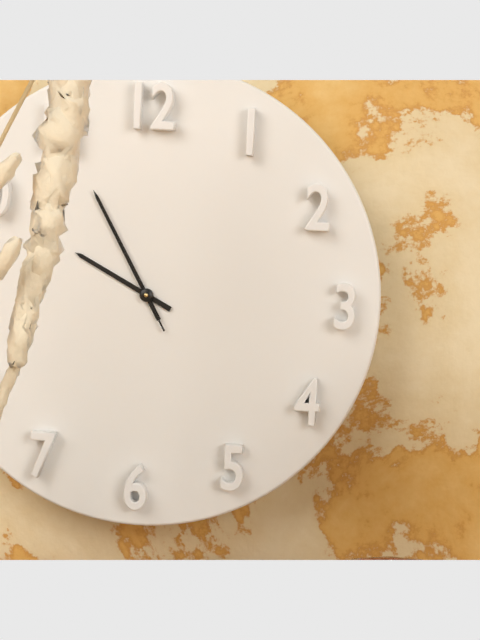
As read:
9.55.55
